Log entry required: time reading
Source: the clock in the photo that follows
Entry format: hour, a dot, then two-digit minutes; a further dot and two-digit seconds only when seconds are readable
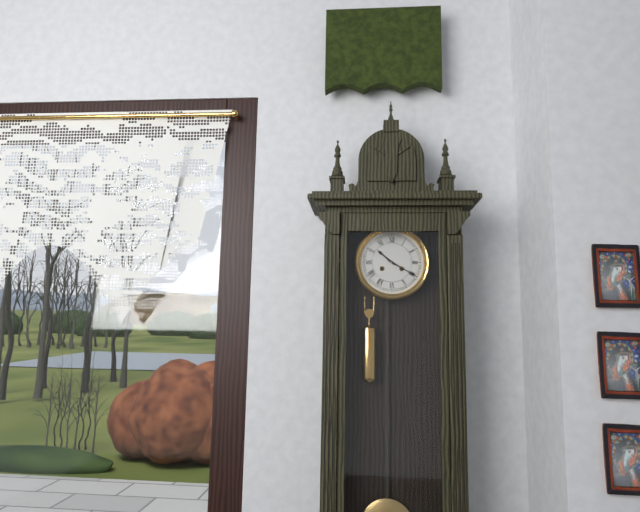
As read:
10.20
